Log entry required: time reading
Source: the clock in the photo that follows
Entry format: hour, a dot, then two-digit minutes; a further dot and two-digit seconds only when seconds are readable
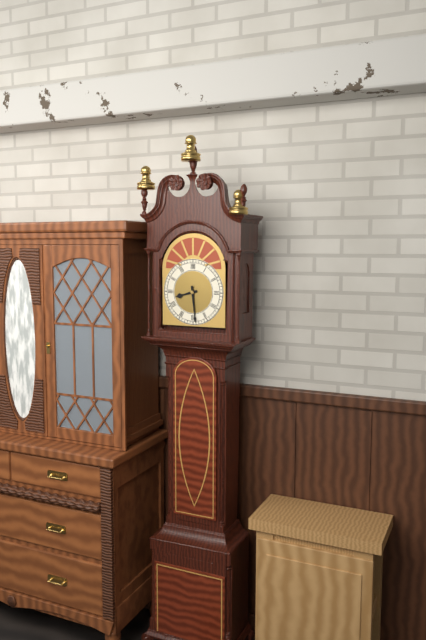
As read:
8.29
